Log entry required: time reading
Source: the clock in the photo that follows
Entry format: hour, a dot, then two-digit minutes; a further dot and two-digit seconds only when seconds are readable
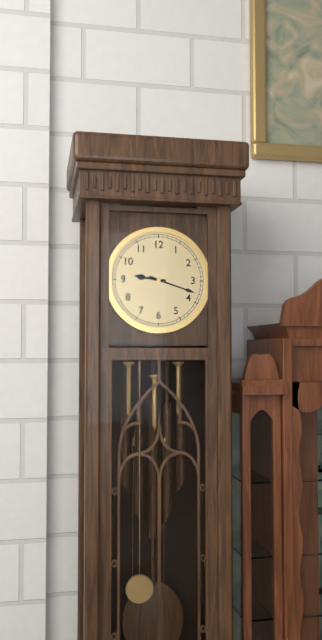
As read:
9.18
